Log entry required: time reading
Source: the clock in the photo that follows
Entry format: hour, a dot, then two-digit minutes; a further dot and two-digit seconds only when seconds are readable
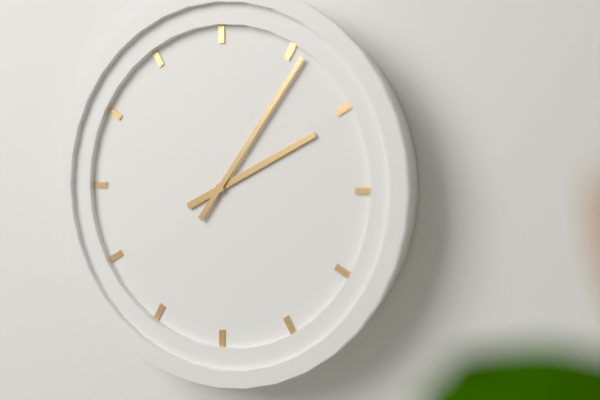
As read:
2.06
